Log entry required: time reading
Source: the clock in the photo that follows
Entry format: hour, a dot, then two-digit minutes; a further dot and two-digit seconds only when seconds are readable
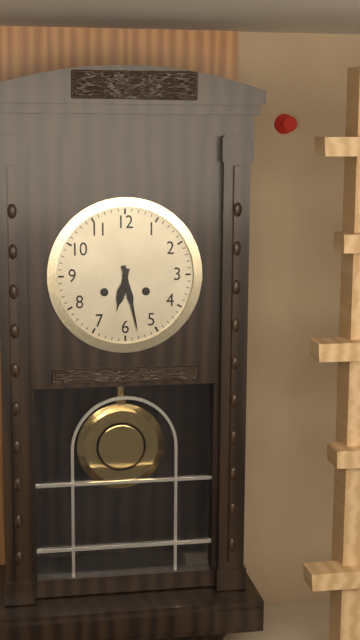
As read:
6.28
